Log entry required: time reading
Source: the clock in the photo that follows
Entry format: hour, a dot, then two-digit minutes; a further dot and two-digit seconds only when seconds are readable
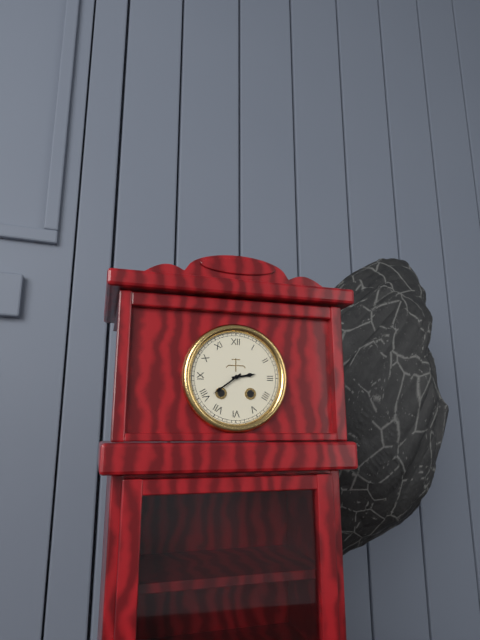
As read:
2.39
